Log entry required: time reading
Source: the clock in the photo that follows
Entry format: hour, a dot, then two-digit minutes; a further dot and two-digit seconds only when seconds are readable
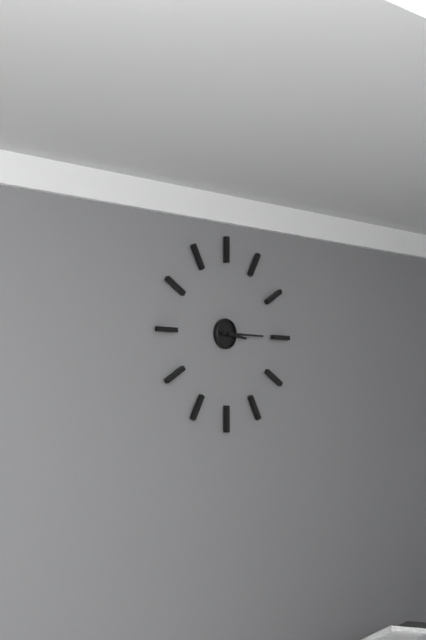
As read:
3.15
